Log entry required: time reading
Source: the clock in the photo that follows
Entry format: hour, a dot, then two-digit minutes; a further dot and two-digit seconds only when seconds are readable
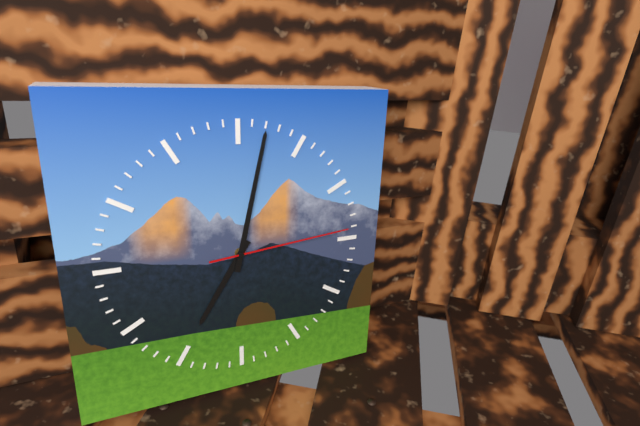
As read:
7.02.14
